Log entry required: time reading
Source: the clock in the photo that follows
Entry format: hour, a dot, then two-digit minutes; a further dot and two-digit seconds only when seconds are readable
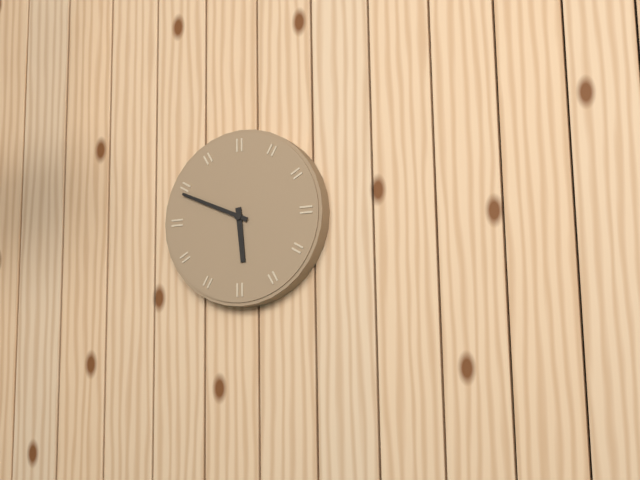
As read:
5.49
